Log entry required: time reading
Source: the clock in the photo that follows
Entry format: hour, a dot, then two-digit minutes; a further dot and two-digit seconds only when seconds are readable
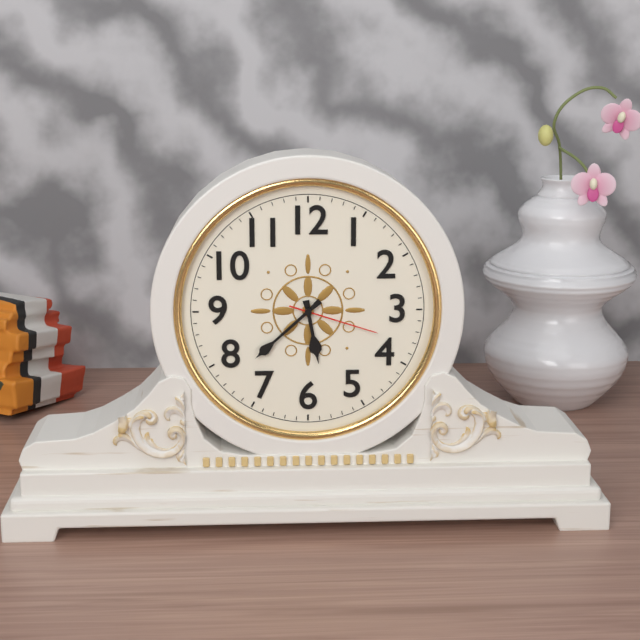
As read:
5.38.18
